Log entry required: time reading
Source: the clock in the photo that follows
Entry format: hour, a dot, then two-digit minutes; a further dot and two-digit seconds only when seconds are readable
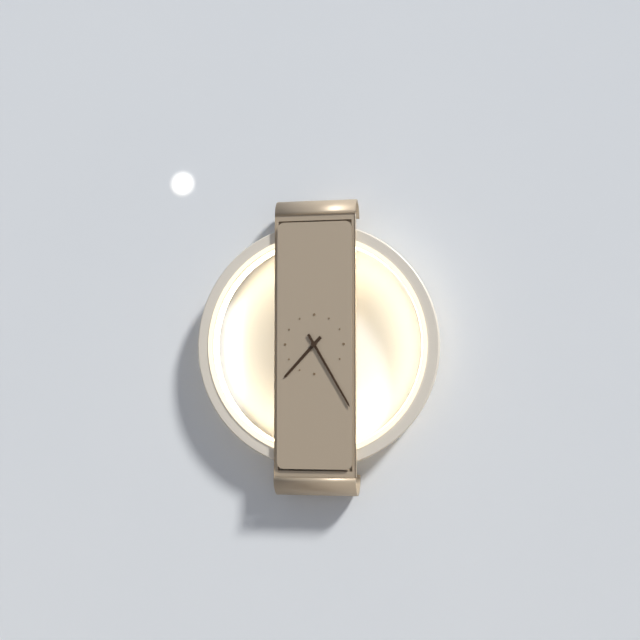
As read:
7.25
